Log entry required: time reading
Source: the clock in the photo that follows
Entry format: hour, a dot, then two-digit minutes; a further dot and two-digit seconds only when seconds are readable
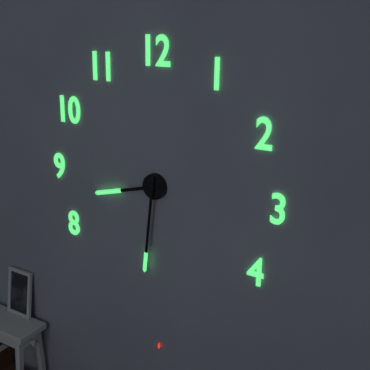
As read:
8.31
